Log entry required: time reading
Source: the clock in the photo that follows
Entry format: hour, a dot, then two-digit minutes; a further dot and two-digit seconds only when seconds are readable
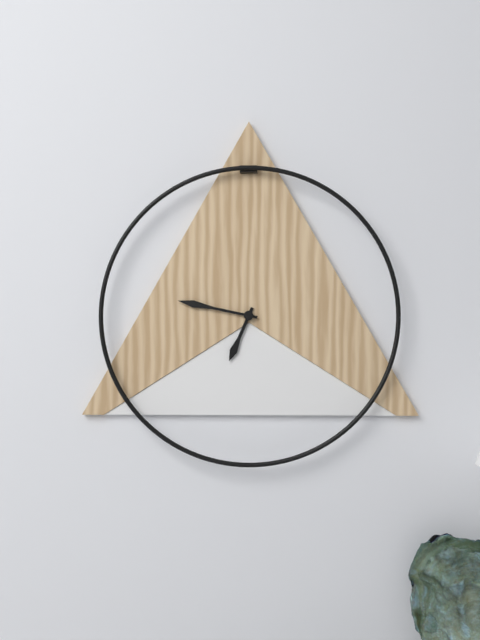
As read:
6.47
